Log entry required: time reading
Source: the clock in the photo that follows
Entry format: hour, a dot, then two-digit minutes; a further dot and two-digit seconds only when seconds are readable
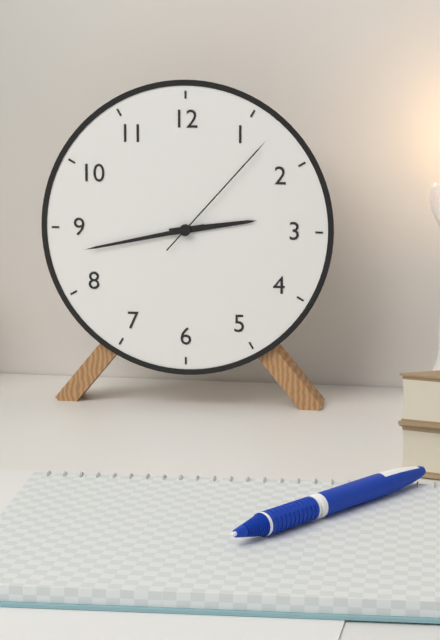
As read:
2.43.07
